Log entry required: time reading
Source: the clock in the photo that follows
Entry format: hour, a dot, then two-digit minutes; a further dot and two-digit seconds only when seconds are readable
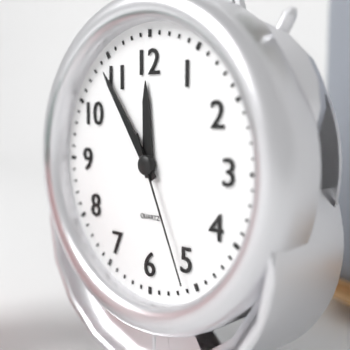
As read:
11.54.26
